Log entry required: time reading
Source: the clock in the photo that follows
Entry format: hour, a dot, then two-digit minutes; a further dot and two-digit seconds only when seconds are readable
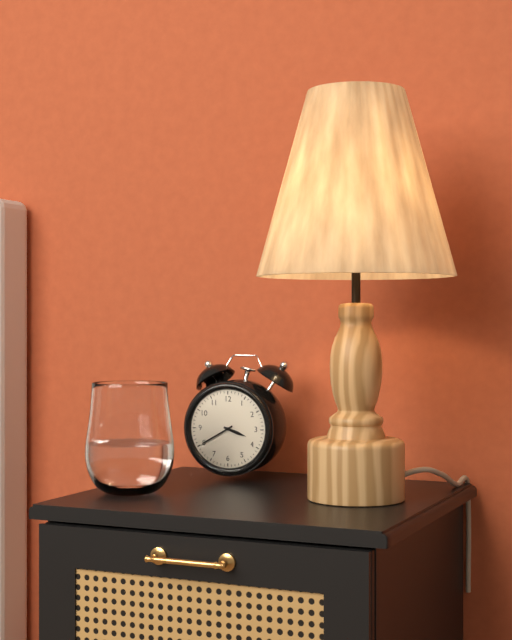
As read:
3.40
